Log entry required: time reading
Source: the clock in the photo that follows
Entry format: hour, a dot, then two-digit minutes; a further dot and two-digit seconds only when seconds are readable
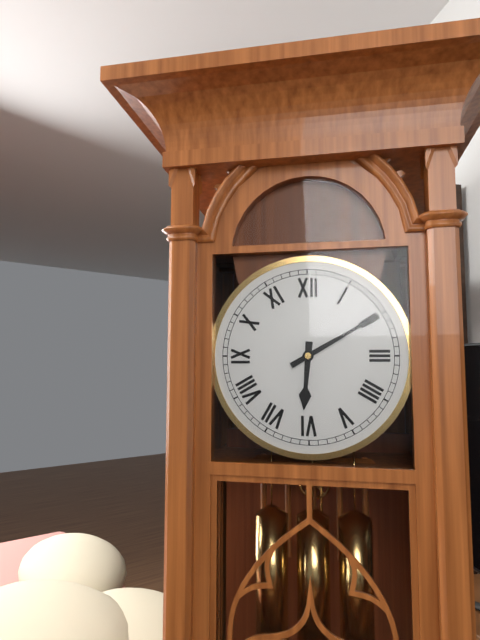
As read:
6.10
